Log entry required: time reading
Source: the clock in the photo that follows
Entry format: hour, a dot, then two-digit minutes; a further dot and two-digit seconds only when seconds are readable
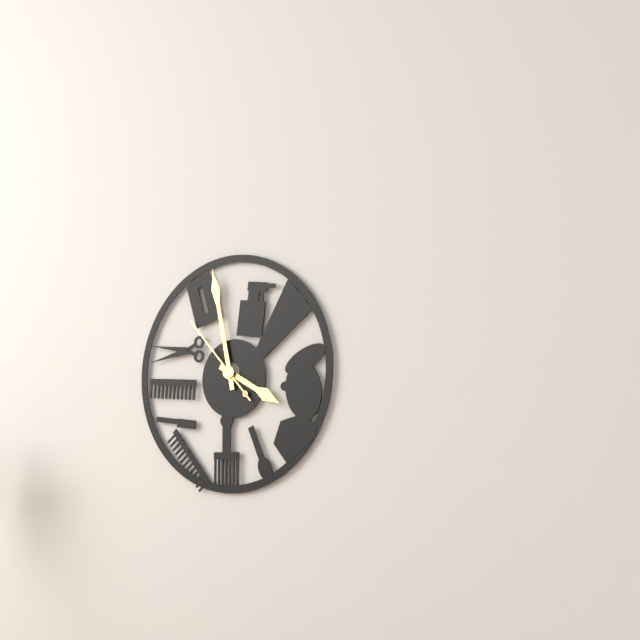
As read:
3.58.53
